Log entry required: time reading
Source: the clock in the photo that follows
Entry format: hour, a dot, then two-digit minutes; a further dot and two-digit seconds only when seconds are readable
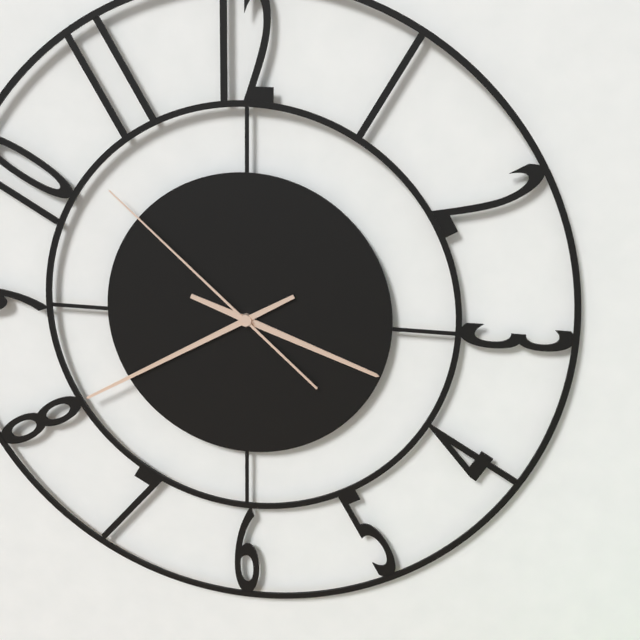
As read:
3.40.52
